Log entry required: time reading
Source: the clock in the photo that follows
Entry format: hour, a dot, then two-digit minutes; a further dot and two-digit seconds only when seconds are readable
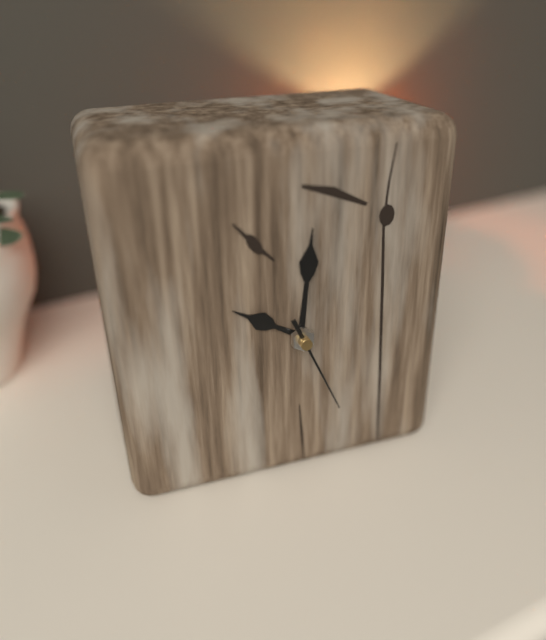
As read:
10.01.26
